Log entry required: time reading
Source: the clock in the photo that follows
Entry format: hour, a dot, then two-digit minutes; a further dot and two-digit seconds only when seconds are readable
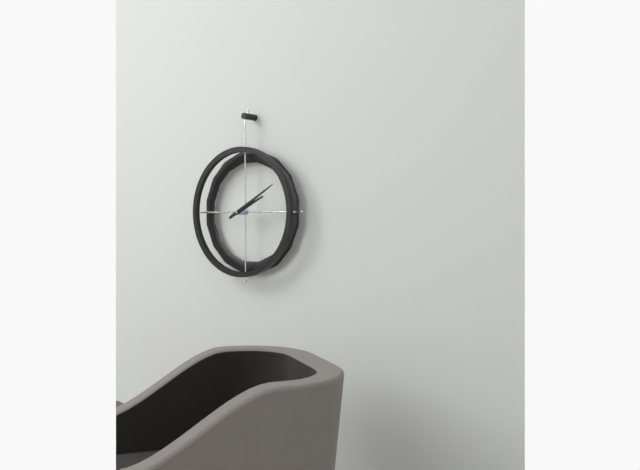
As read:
2.10
